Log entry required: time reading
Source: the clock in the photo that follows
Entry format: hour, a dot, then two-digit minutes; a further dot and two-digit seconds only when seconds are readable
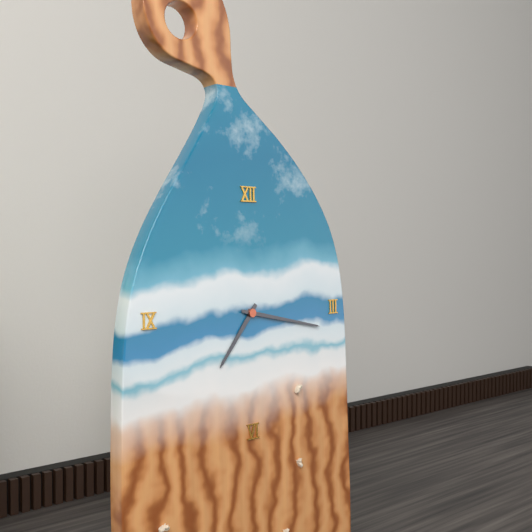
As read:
7.17
